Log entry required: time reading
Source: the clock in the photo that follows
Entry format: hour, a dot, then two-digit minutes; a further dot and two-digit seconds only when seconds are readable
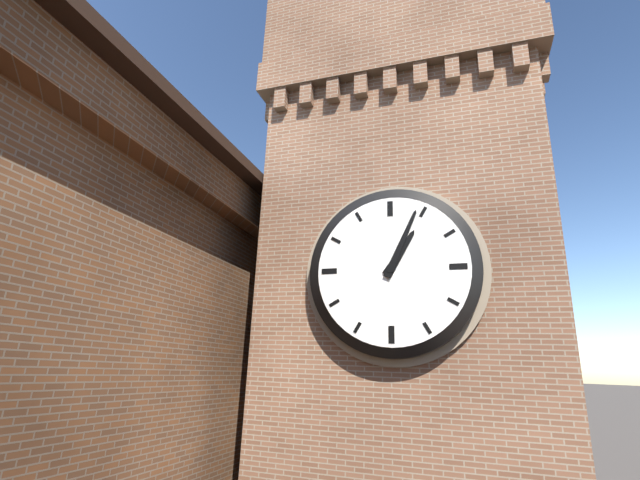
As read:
1.04
